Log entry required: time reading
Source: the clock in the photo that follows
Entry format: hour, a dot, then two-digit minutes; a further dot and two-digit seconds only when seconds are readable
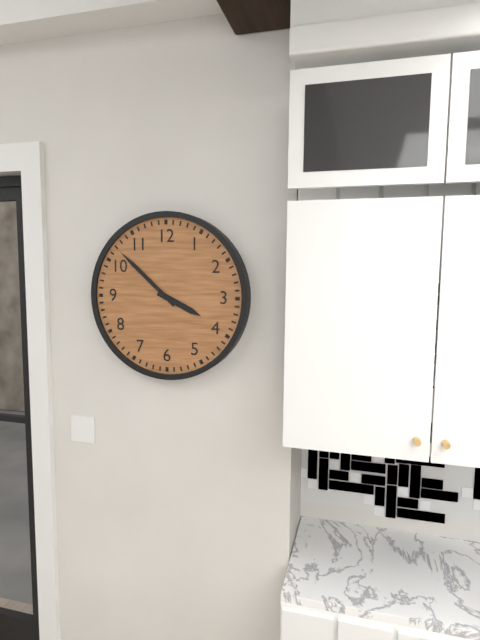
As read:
3.52
